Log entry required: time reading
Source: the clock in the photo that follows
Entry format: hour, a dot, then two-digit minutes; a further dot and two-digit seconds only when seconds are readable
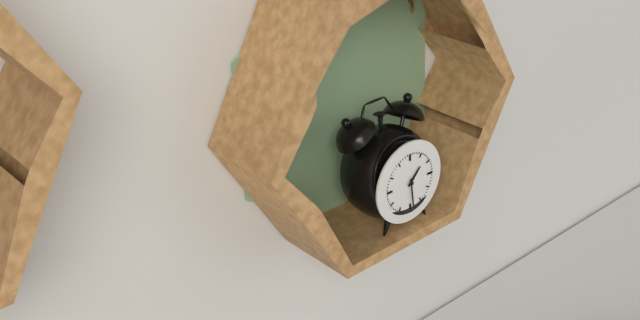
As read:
1.29
